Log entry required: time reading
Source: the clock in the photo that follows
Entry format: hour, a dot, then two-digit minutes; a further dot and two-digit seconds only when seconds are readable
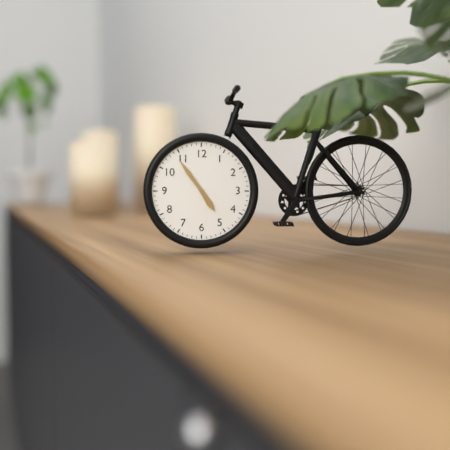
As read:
4.54
